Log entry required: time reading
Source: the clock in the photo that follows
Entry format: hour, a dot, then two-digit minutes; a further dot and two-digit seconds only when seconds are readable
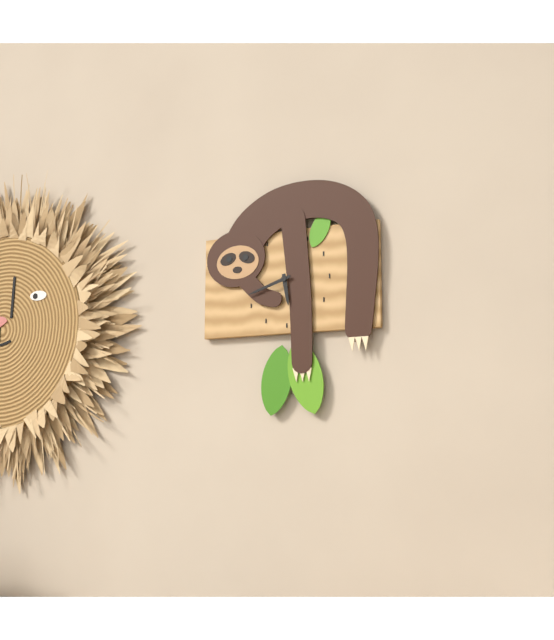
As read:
5.42
